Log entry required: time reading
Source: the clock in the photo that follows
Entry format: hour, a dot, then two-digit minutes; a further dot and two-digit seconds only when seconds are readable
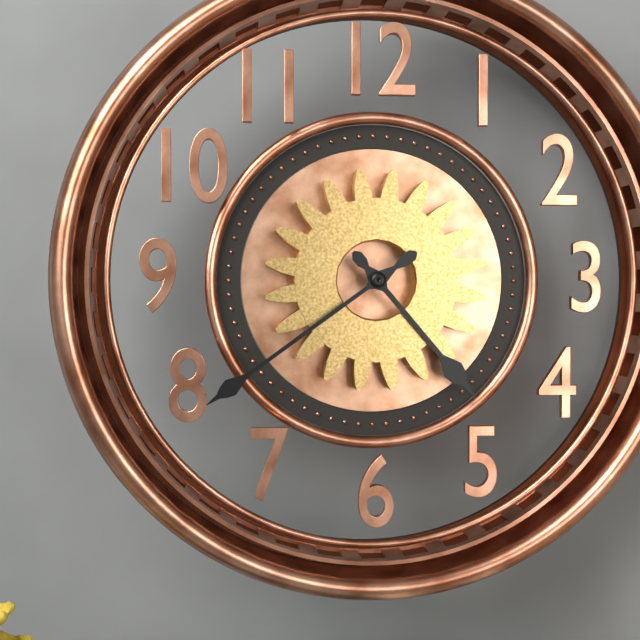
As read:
4.39
